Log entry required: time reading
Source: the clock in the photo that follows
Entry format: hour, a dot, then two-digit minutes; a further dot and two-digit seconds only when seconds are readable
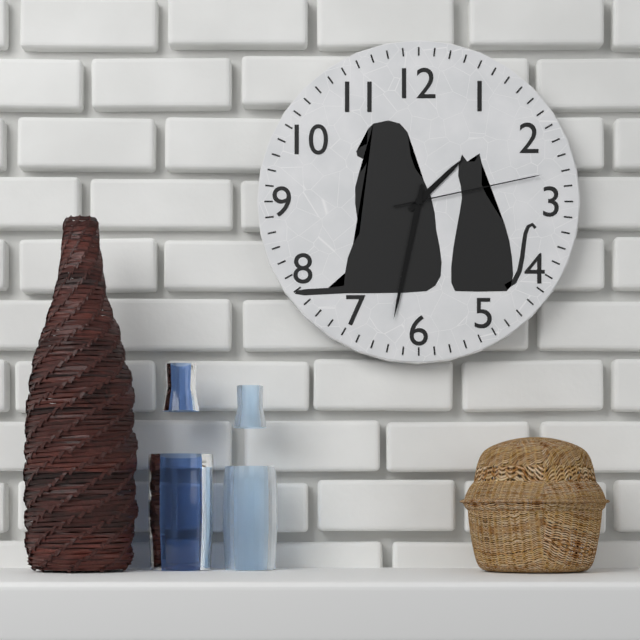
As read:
1.32.13
